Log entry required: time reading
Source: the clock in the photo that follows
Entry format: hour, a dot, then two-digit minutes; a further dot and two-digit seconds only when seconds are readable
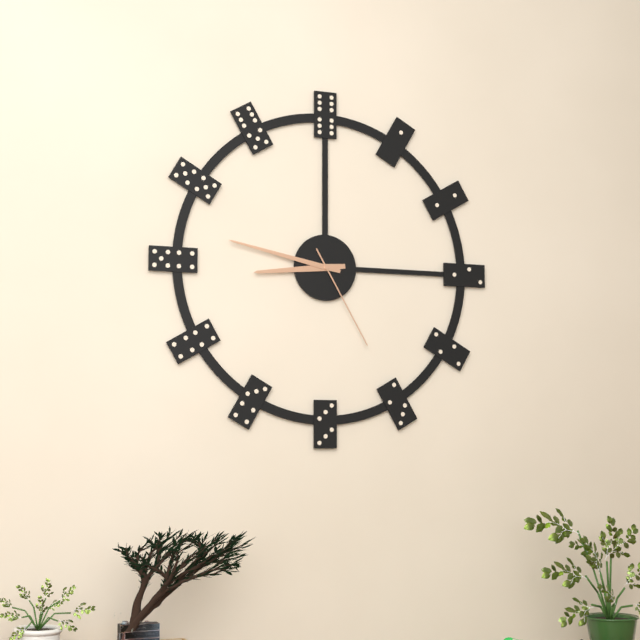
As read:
8.47.25
